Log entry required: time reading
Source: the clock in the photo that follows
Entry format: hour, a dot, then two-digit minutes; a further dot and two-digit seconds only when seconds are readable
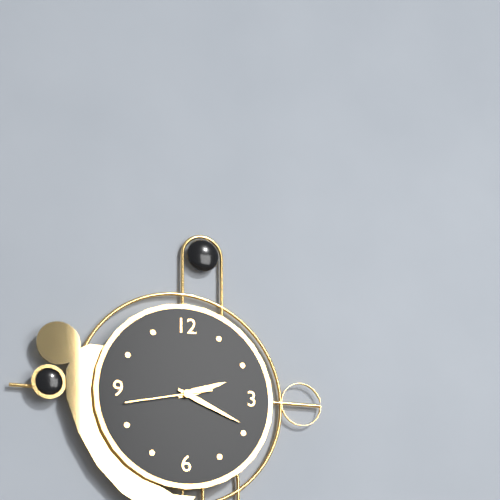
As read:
2.19.43
